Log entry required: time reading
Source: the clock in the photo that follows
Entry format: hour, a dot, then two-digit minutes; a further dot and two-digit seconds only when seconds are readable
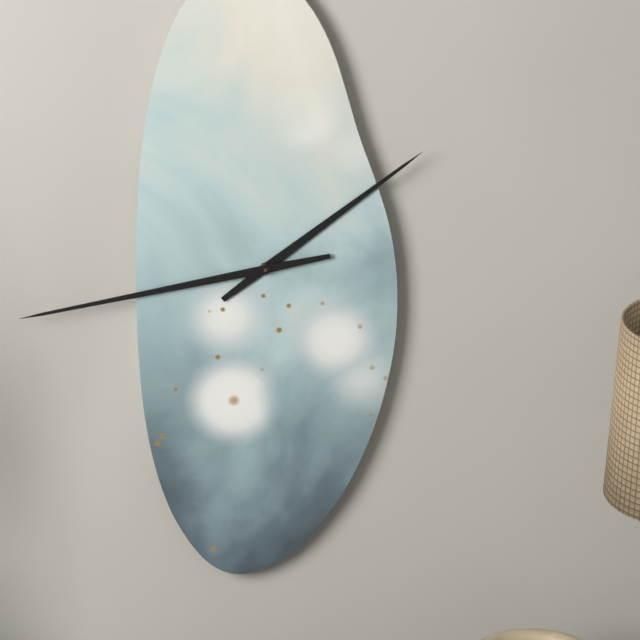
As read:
1.43
